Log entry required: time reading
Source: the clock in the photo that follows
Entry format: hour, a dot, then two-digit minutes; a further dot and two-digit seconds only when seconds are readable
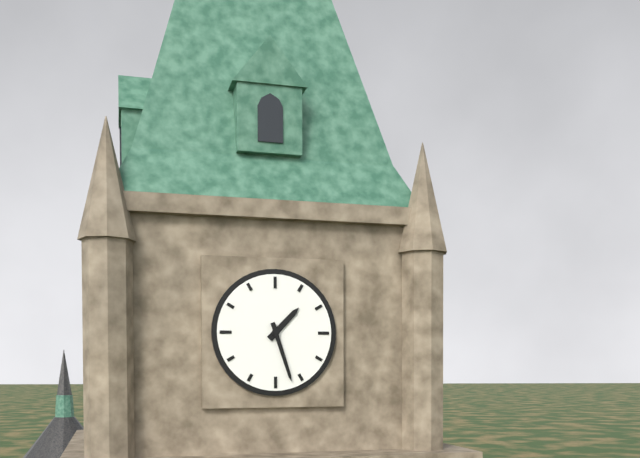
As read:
1.27
